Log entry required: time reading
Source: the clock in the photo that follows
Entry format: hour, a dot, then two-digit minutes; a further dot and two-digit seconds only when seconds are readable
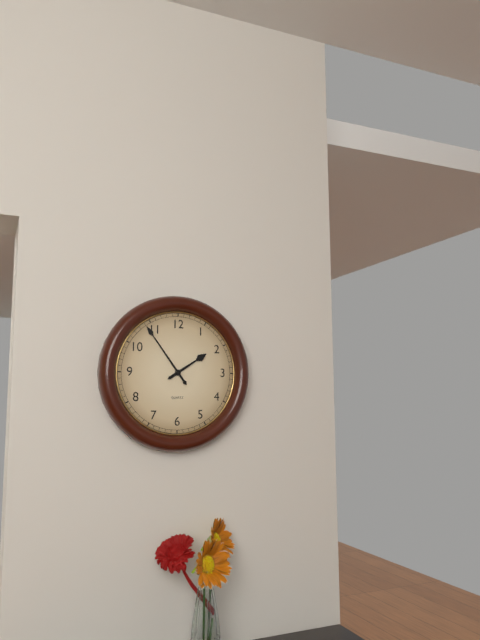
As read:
1.54
